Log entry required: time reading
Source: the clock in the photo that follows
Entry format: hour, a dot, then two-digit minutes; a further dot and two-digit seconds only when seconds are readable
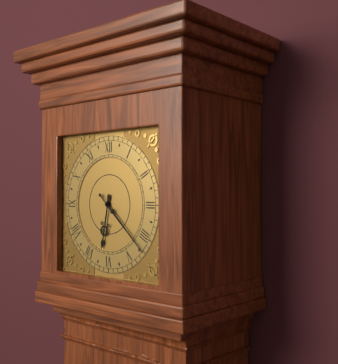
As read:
6.22
